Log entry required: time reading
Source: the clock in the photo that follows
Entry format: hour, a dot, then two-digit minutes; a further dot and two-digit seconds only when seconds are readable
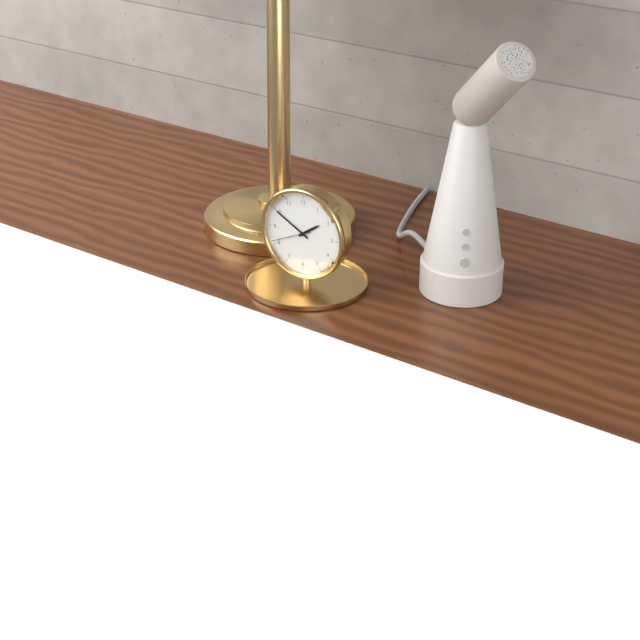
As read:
1.50
